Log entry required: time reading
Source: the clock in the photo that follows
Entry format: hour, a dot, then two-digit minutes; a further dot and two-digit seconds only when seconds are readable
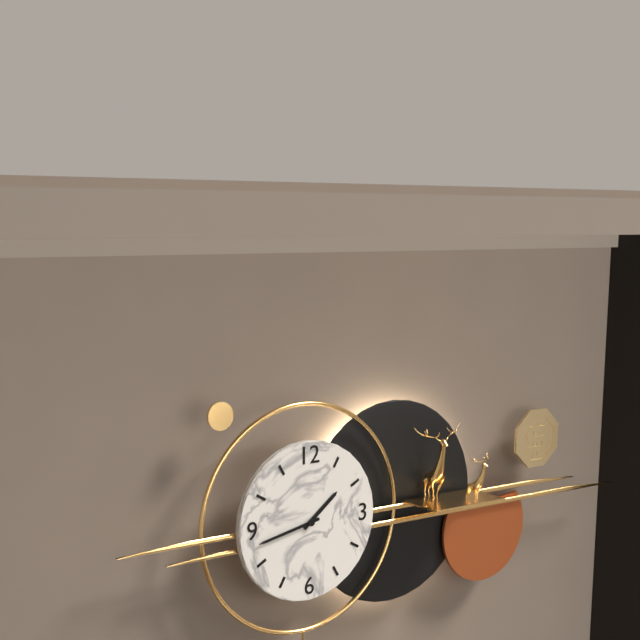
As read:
1.43
